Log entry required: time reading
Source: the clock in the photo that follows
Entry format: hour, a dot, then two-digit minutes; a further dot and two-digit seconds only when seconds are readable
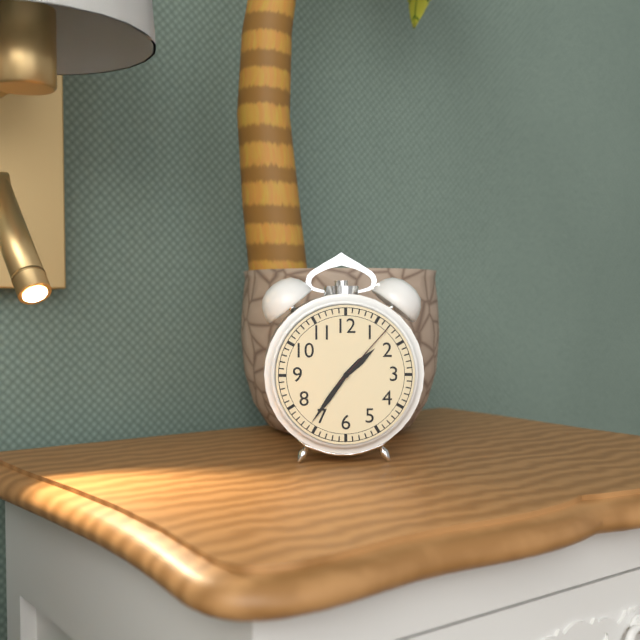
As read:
1.36.07
